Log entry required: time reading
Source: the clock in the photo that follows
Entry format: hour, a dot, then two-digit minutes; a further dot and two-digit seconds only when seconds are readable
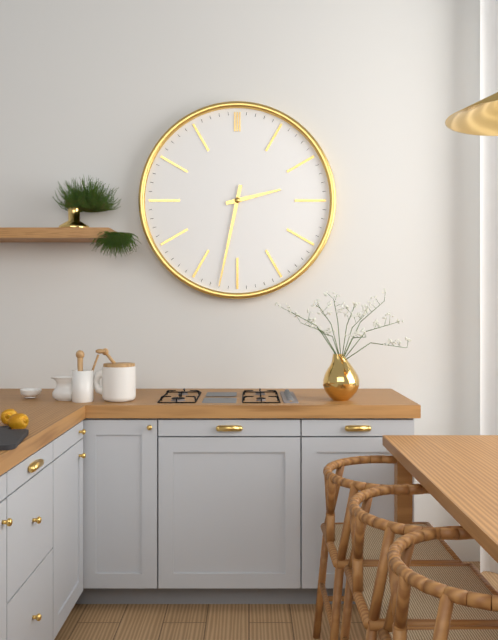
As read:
2.32
